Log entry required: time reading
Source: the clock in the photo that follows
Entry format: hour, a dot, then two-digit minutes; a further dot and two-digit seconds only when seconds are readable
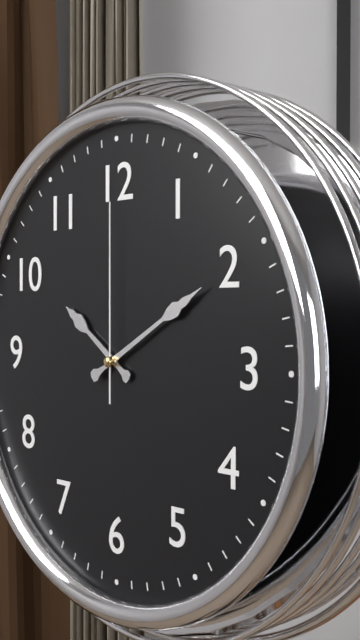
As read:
10.10.00
